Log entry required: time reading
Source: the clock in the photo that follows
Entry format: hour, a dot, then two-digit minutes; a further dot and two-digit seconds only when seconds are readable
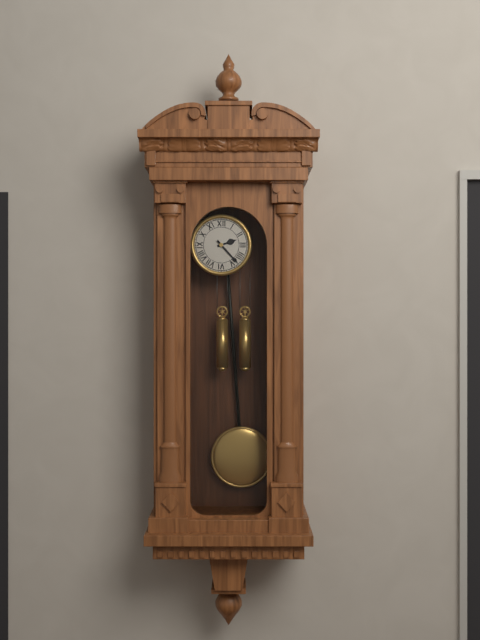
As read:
2.23
